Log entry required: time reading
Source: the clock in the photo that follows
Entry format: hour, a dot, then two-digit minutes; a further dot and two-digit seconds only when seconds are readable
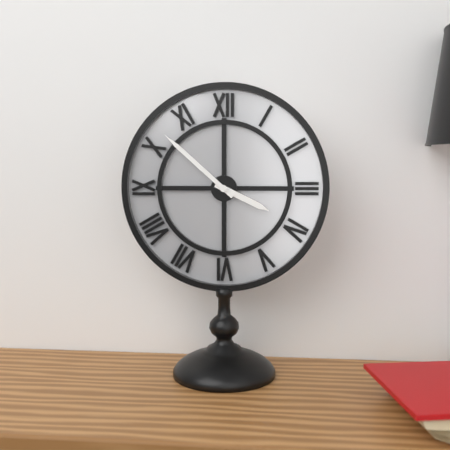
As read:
3.52
